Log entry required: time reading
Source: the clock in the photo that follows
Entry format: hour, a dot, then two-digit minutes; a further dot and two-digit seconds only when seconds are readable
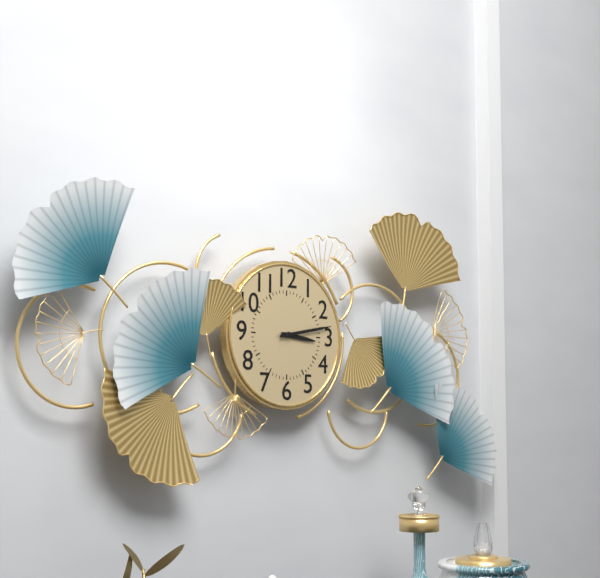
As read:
3.13
